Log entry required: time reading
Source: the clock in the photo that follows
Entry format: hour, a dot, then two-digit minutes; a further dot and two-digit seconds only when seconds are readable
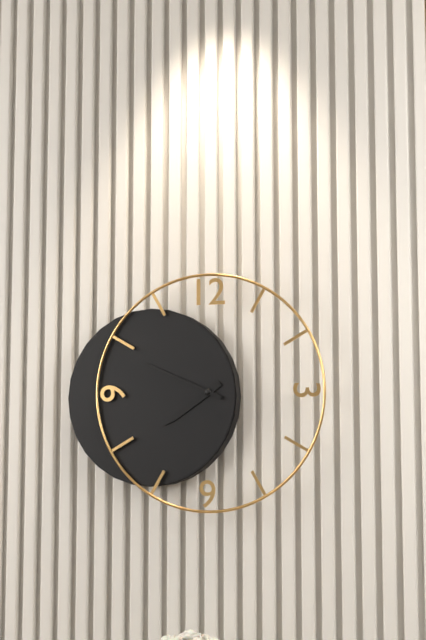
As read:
7.49
